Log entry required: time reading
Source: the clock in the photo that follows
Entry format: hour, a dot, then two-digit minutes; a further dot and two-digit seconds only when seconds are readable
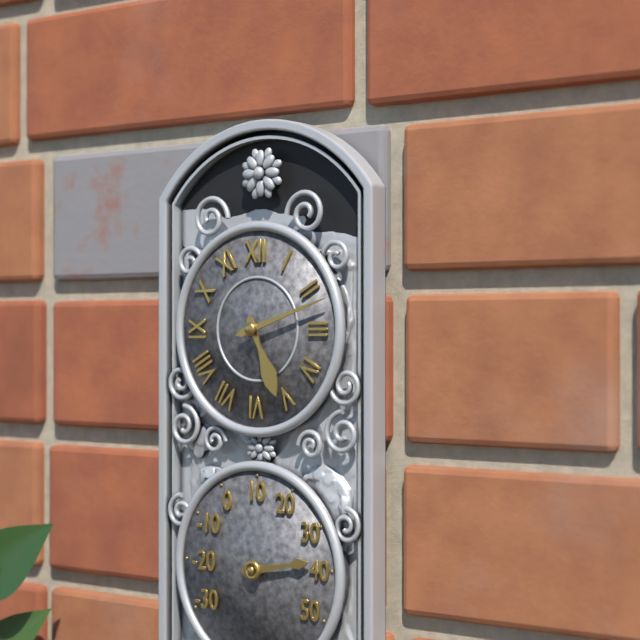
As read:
5.12
